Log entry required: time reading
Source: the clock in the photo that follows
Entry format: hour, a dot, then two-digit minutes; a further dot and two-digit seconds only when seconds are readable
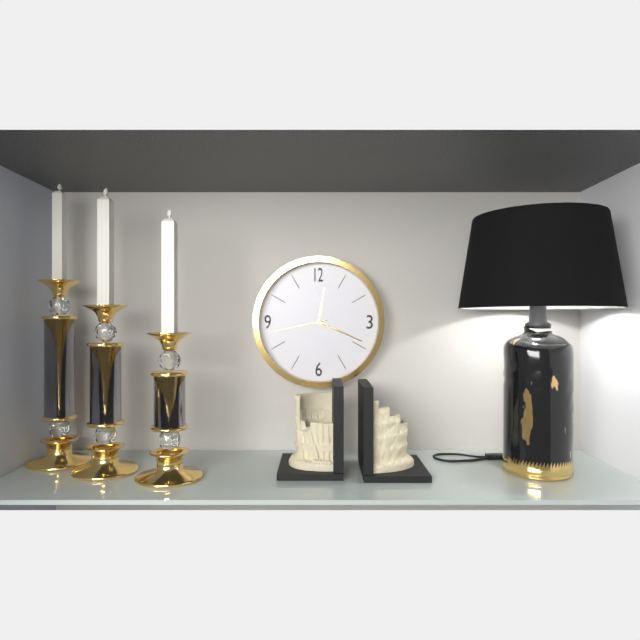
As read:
12.19.43
